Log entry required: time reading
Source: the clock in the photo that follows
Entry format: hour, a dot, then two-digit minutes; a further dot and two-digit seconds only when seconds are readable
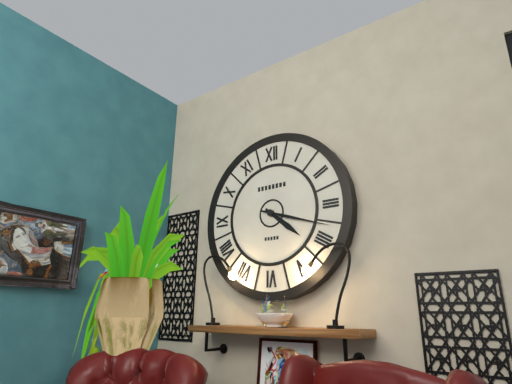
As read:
4.18
